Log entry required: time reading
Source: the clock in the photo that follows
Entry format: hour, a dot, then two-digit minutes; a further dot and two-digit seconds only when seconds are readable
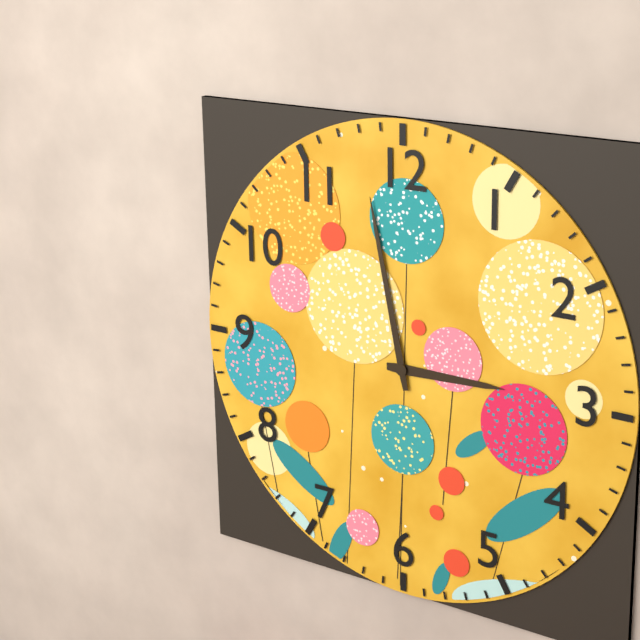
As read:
2.58
